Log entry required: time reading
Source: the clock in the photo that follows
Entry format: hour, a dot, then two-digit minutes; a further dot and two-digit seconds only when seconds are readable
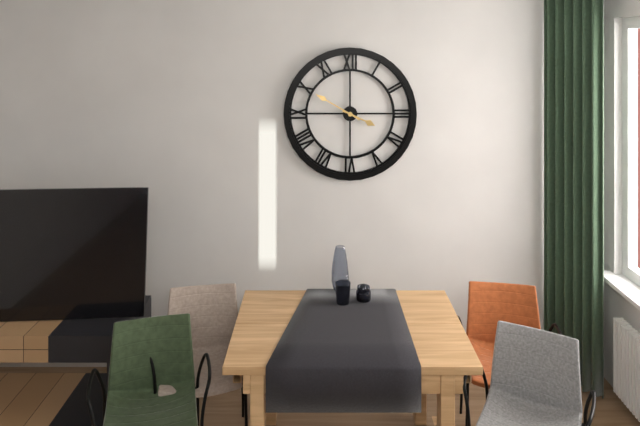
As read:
3.50
